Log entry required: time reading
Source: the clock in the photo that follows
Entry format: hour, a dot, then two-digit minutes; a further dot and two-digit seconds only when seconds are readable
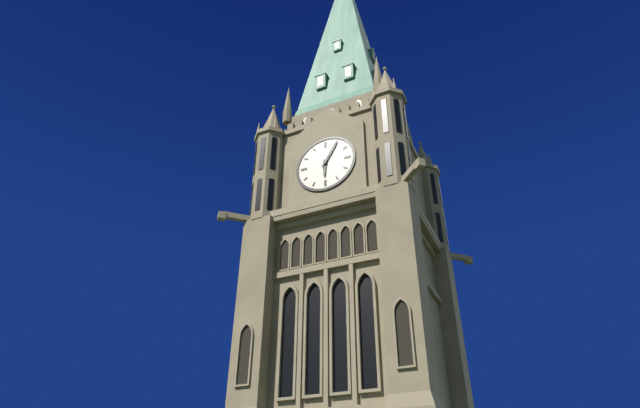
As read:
6.05
